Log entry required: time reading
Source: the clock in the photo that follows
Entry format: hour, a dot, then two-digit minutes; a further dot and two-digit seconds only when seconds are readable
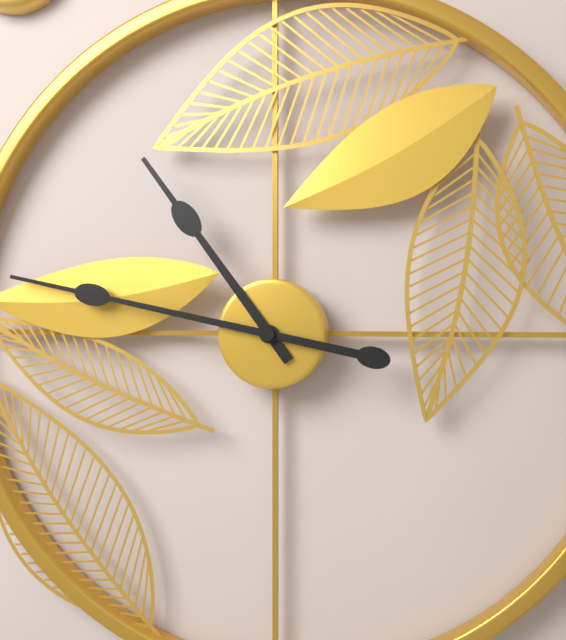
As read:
10.47
